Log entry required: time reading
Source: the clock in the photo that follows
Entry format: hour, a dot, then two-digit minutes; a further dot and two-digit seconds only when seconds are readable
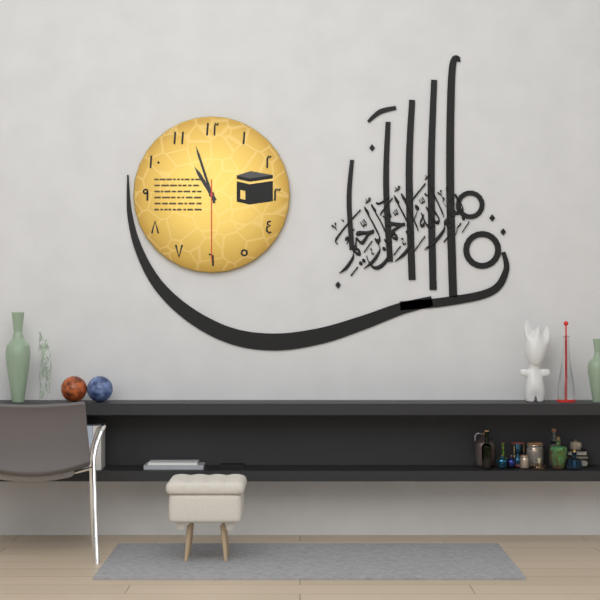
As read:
10.57.30
